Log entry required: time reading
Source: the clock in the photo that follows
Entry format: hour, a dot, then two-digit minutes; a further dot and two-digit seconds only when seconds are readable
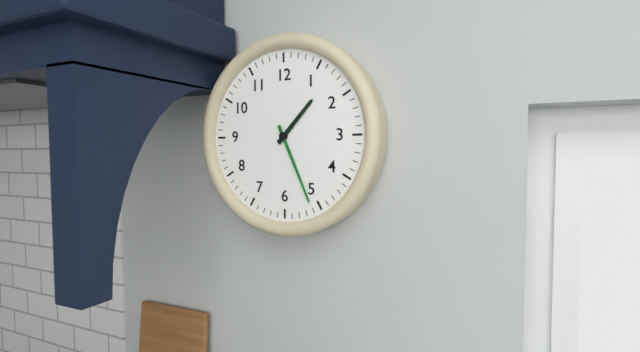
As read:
1.26
